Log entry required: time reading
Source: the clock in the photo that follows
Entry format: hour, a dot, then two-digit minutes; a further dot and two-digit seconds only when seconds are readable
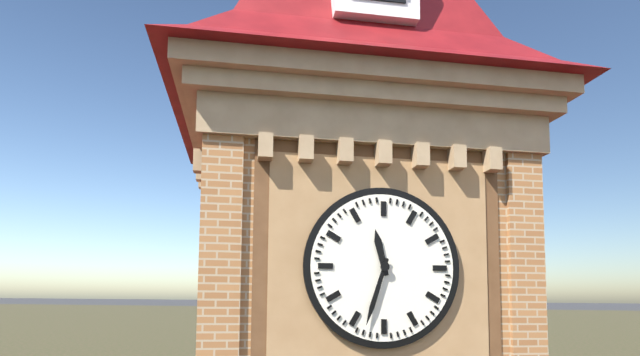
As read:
11.33
